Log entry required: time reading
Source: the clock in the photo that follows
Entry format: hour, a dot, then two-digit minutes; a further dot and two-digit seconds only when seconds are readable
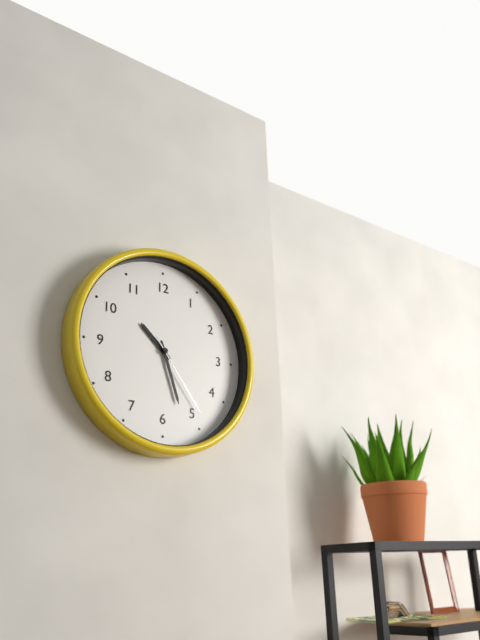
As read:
10.27.24
